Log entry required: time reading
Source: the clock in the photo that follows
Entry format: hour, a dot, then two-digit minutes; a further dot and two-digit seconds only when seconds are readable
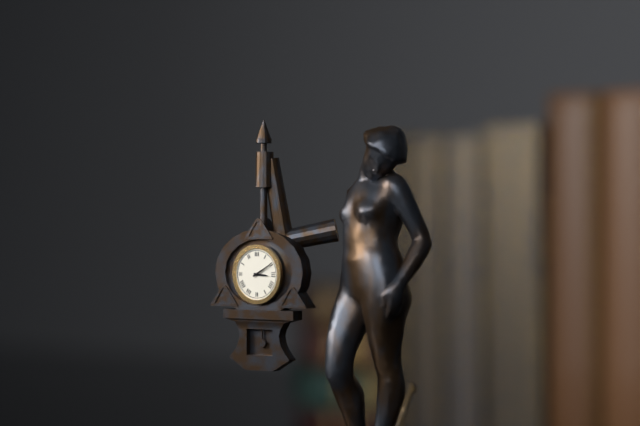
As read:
3.10
